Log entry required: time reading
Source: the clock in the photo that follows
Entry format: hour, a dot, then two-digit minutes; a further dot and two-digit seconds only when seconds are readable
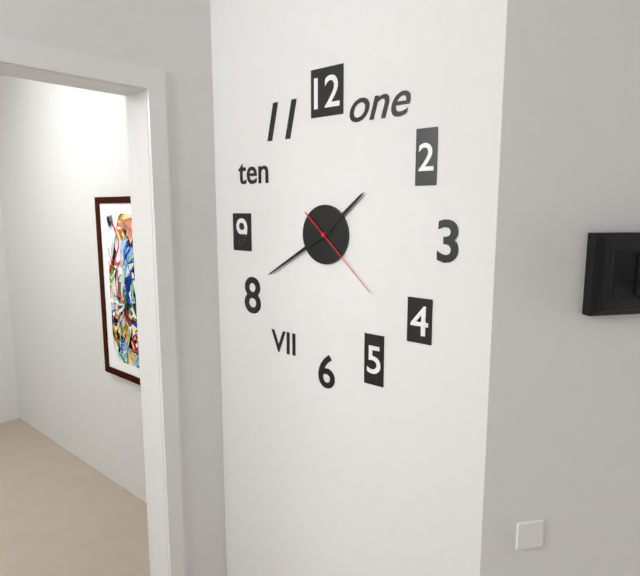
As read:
1.40.22
